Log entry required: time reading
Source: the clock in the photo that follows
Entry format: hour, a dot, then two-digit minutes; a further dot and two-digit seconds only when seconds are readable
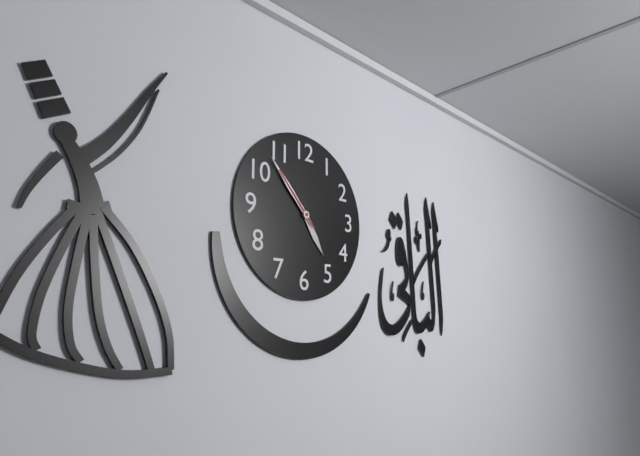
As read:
4.53.53
